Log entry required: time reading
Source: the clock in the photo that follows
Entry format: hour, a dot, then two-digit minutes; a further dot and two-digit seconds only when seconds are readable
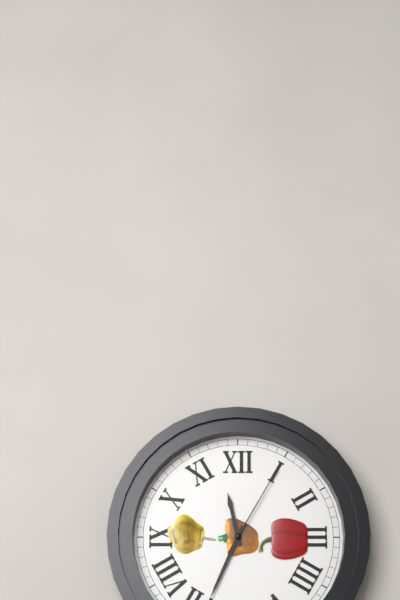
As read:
11.34.05
